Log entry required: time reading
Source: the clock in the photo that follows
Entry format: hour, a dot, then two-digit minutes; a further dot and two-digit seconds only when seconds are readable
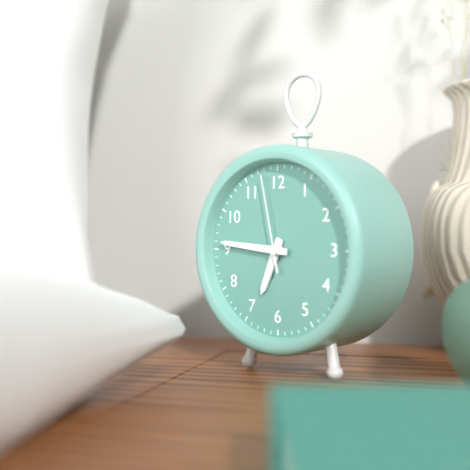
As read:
6.46.58
